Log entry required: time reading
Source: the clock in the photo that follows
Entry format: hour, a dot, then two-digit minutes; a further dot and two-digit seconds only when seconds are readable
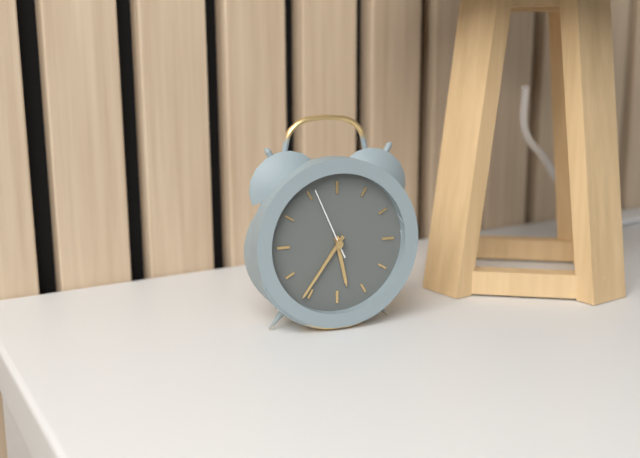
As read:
5.36.56
